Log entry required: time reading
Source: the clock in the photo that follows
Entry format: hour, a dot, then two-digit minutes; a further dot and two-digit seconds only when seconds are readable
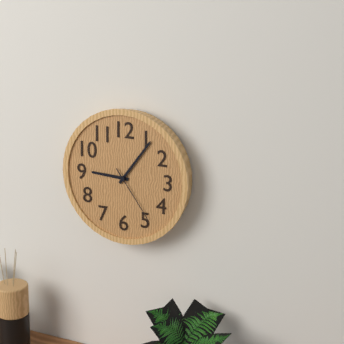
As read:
9.06.24
